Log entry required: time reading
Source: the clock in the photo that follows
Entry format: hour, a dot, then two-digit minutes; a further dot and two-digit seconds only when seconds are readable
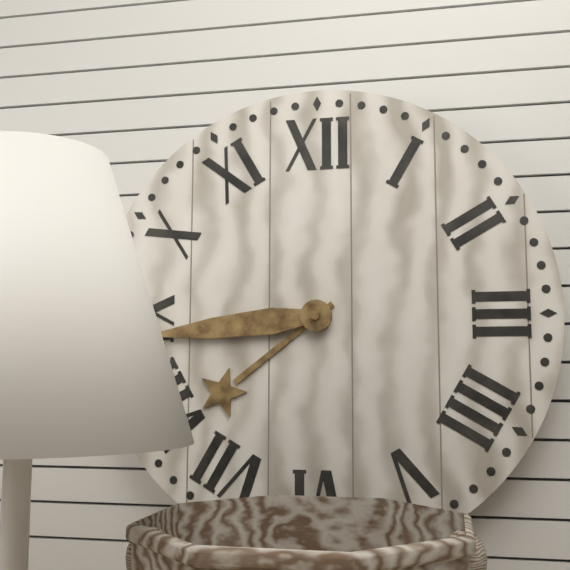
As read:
7.44
